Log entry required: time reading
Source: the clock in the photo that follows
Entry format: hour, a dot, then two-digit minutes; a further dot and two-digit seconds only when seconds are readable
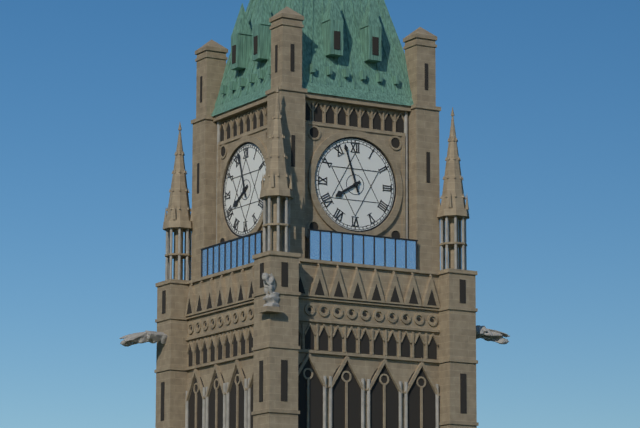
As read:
7.57
